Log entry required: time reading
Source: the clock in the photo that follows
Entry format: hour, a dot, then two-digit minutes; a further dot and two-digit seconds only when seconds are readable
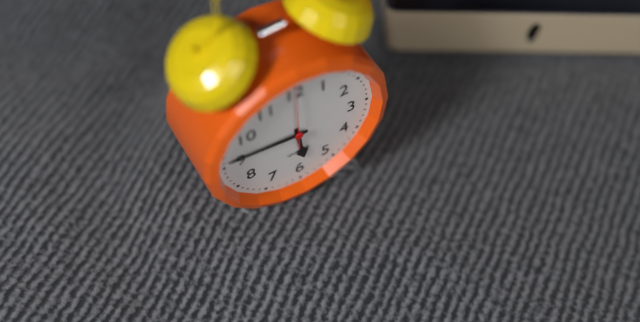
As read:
5.46
